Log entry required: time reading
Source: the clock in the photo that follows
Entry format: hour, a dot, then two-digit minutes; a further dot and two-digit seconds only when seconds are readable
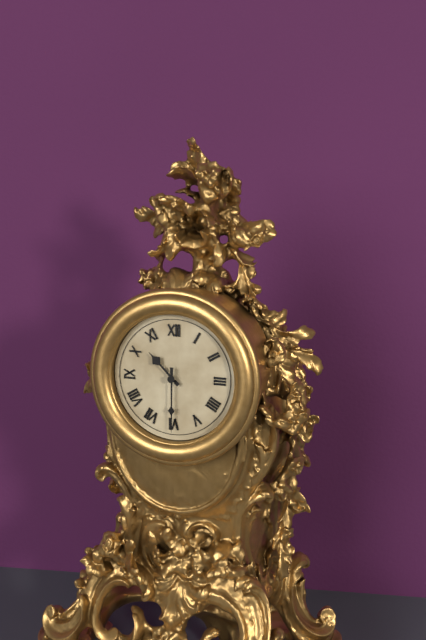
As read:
10.30
